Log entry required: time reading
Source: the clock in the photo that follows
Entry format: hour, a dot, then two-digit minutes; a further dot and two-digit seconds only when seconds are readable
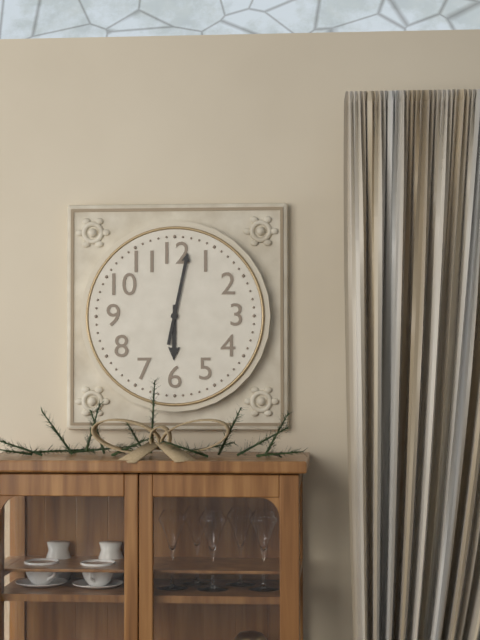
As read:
6.02
